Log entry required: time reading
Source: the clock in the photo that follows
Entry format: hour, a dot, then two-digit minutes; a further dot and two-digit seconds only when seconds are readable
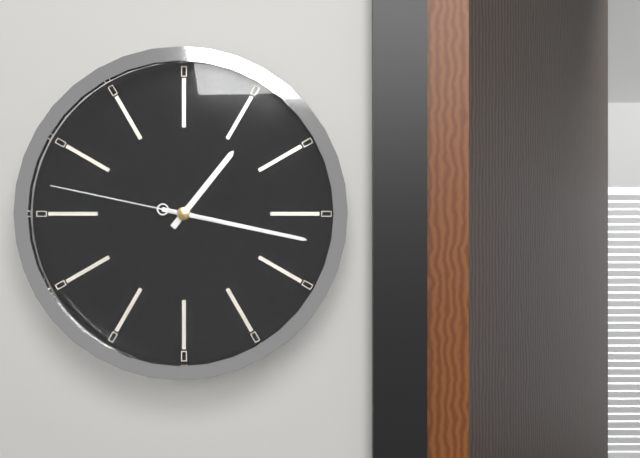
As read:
1.17.47
